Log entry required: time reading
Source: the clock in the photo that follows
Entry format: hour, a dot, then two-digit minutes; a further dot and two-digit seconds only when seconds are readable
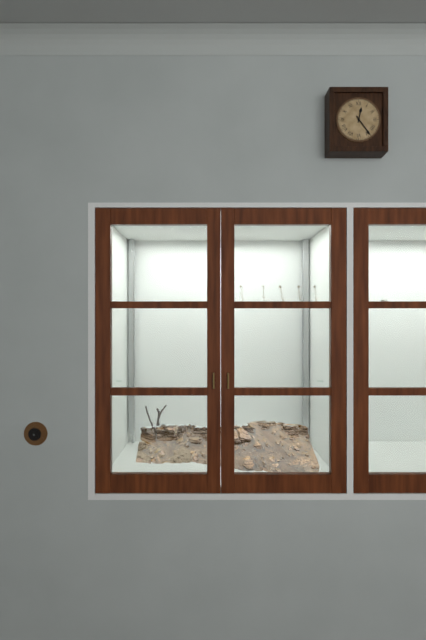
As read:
12.24
